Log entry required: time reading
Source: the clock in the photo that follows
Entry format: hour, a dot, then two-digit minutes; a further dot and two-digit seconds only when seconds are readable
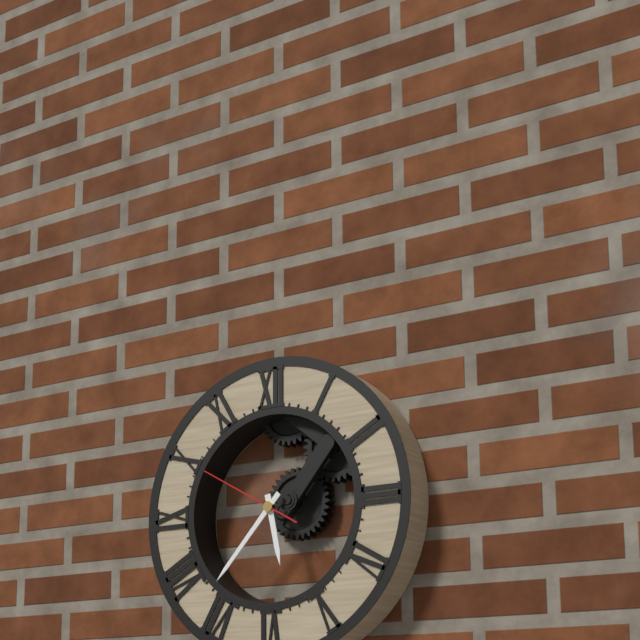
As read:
5.37.50
